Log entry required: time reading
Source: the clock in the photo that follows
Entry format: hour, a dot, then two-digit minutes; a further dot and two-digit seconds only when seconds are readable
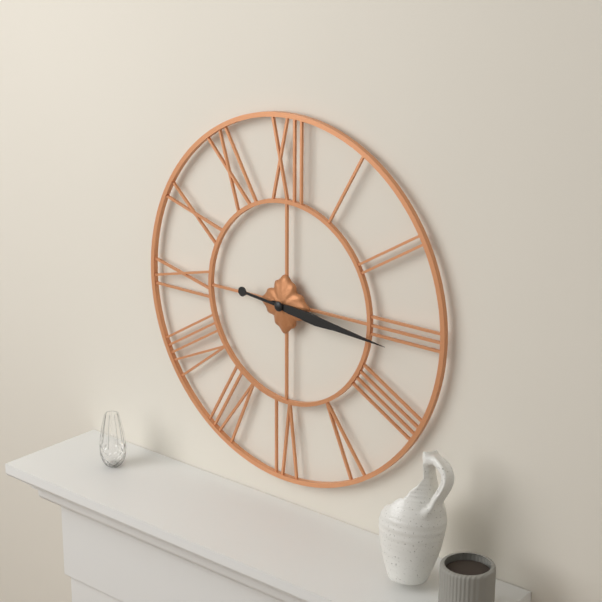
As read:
3.16
